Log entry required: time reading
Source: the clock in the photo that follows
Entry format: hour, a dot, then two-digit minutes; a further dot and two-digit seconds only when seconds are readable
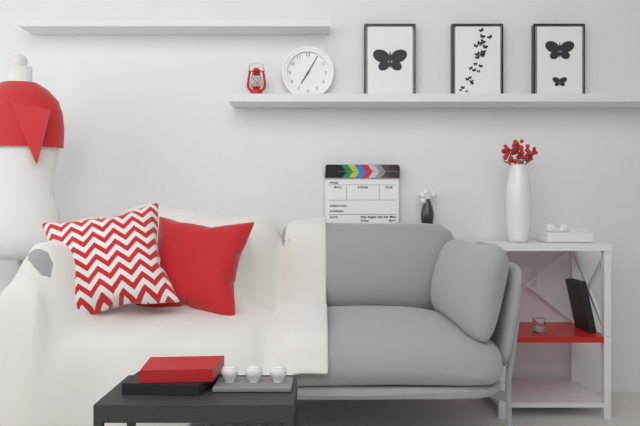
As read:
7.05
